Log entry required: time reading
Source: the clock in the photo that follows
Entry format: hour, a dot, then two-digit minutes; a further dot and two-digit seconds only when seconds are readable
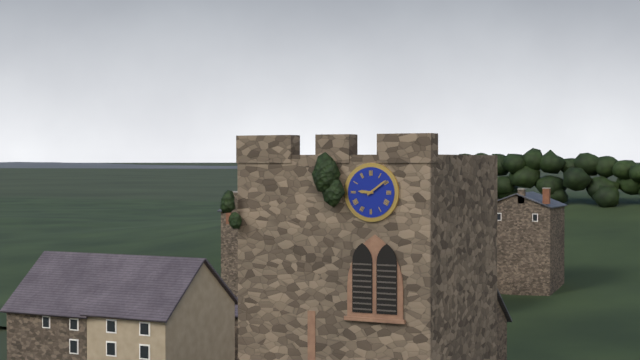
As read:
9.09
